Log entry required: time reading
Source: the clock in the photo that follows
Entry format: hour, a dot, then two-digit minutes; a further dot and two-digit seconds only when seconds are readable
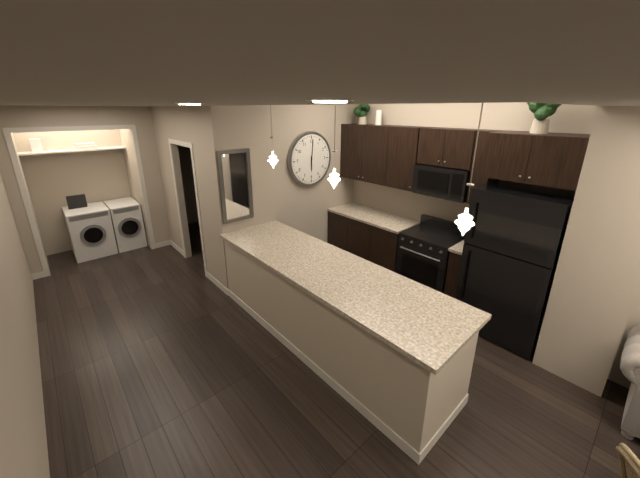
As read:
6.01
